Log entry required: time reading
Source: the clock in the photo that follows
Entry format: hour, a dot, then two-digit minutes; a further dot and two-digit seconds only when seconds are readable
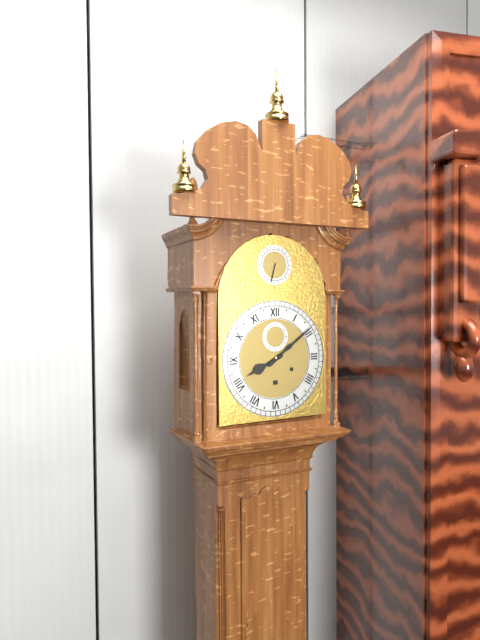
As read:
8.09
